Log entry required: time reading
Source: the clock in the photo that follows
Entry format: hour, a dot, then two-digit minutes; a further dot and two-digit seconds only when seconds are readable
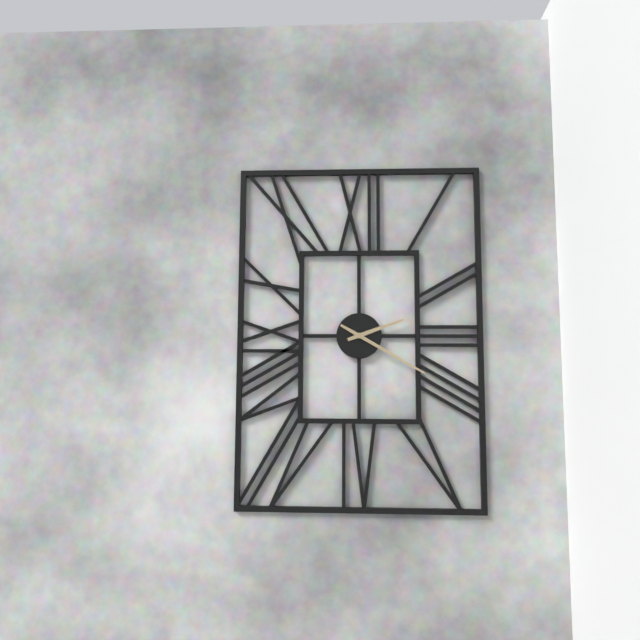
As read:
2.20
